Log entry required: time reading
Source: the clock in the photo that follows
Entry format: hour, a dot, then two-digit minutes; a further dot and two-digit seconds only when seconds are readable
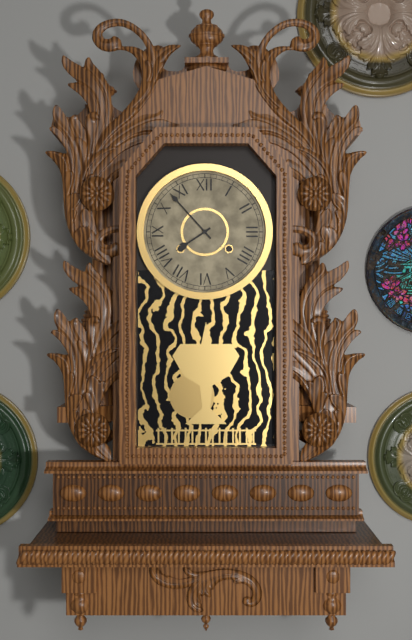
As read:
7.53
